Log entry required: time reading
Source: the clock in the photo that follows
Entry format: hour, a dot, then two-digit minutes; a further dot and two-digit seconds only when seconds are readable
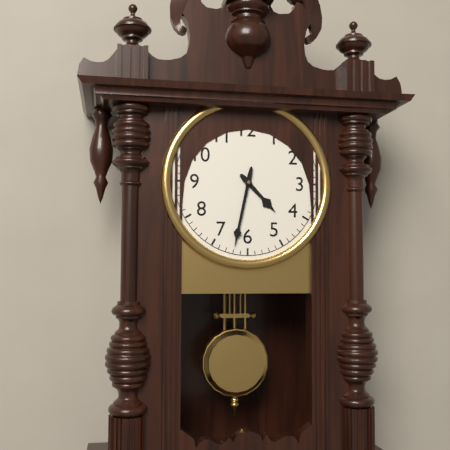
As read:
4.32
